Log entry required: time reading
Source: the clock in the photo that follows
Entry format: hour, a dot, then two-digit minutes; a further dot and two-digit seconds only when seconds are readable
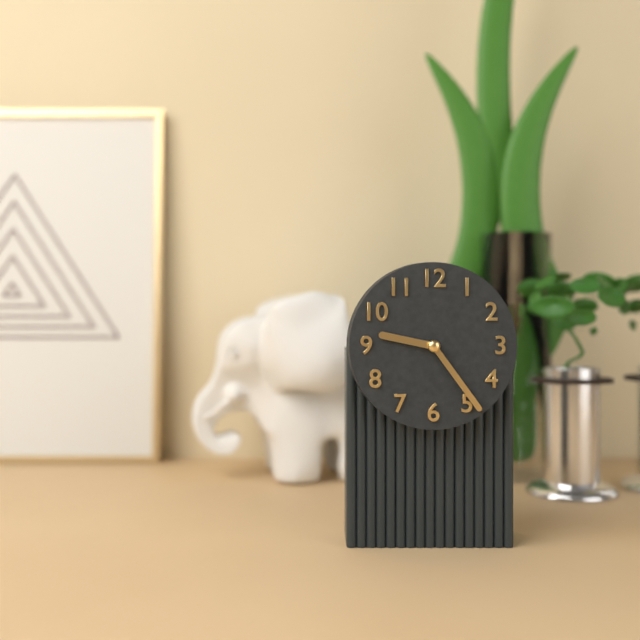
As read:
9.24
